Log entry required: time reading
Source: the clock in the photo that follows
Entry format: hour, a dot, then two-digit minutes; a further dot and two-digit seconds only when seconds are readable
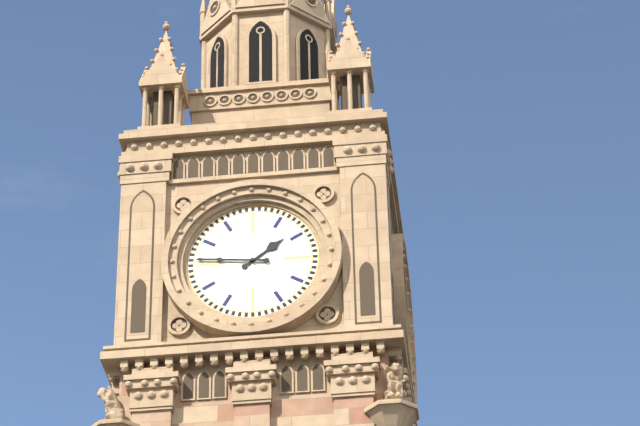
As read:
1.46
